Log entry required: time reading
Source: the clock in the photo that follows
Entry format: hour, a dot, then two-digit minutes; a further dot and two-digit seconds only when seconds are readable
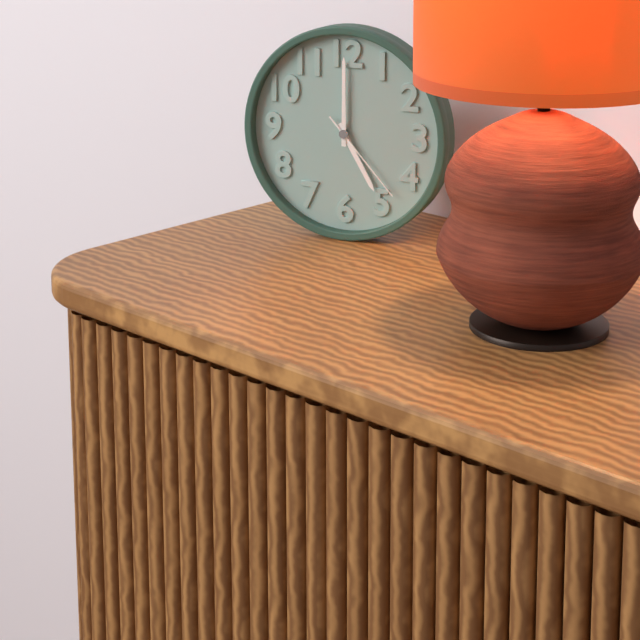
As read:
5.00.23
